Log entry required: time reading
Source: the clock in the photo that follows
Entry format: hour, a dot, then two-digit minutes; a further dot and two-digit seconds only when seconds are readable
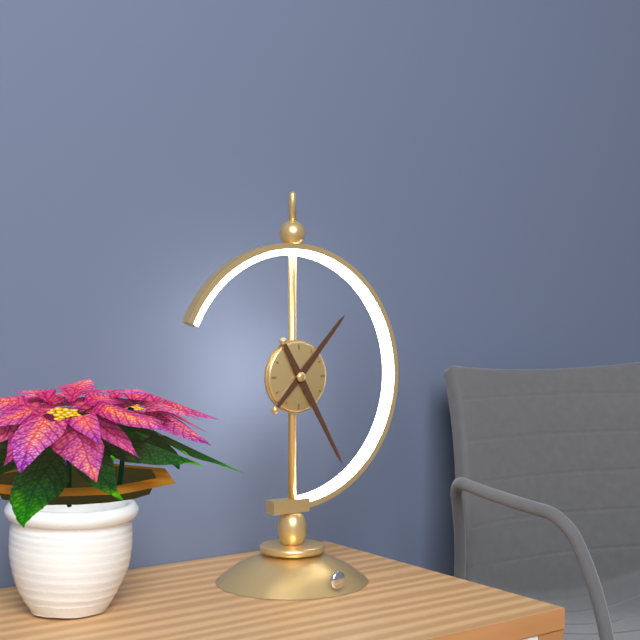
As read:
1.25
